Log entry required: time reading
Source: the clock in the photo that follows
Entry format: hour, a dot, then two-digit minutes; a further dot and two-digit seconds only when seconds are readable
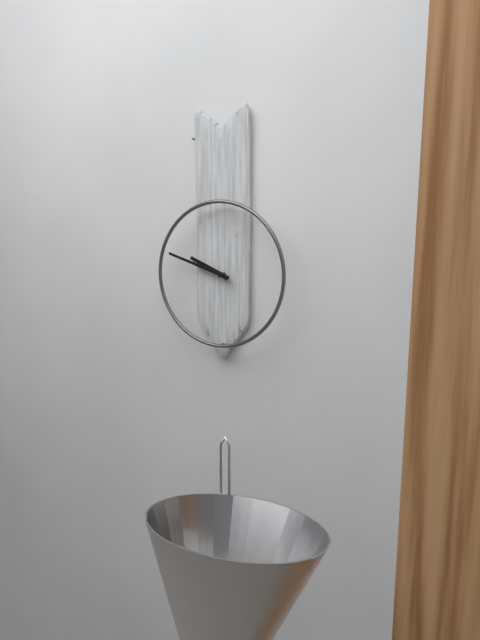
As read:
9.48
